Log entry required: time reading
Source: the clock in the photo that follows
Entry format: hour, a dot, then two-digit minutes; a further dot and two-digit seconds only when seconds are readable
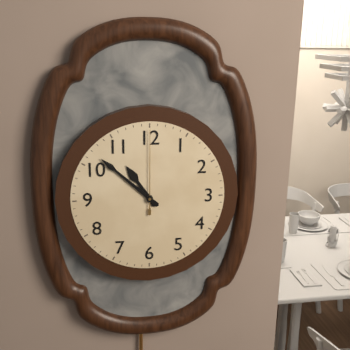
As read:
10.52.00
